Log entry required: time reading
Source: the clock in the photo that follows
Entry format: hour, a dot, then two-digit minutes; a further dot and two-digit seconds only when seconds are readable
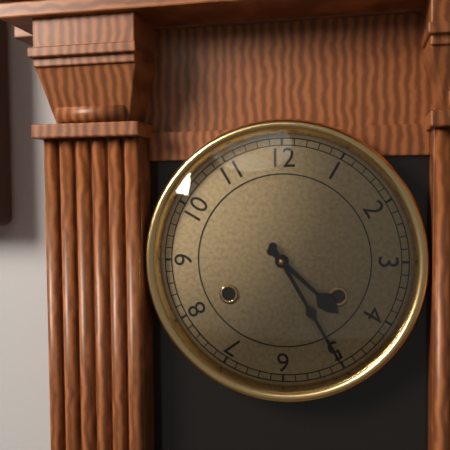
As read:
4.25
